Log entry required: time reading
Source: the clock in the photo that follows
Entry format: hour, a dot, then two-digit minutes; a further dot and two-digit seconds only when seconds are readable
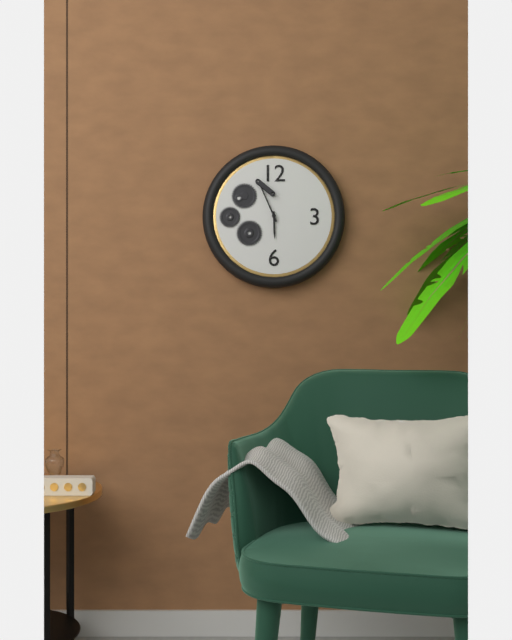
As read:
5.56
